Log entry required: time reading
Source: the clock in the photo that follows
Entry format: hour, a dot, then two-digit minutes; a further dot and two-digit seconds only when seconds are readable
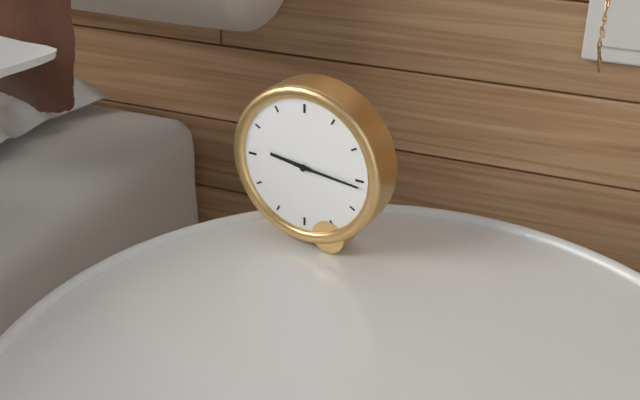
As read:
9.16
